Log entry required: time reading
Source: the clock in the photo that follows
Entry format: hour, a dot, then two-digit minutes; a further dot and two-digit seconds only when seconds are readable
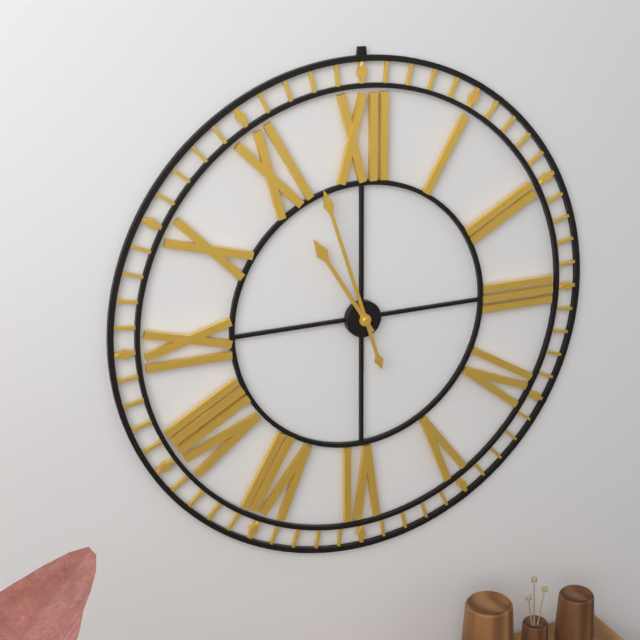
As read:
10.57
